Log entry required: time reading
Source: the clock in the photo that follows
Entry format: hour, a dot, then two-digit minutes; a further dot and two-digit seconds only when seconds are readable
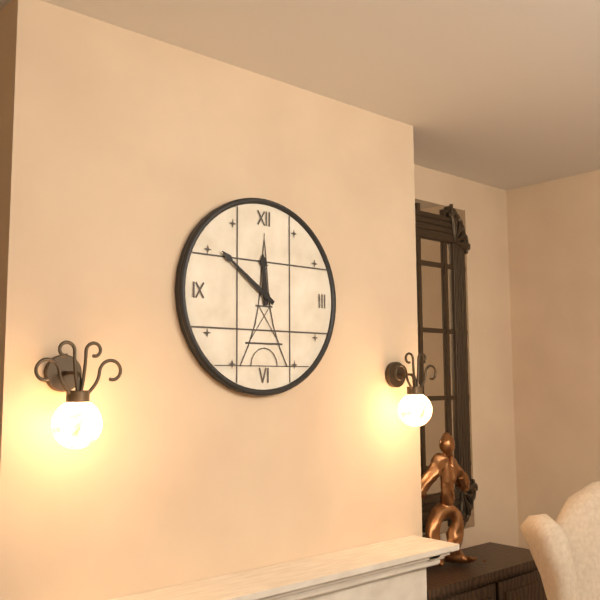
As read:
11.51
